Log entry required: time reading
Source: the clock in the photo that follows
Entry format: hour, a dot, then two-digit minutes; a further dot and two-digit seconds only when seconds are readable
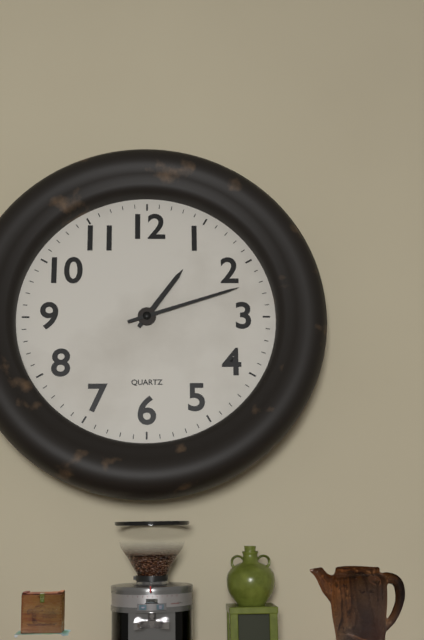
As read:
1.12
